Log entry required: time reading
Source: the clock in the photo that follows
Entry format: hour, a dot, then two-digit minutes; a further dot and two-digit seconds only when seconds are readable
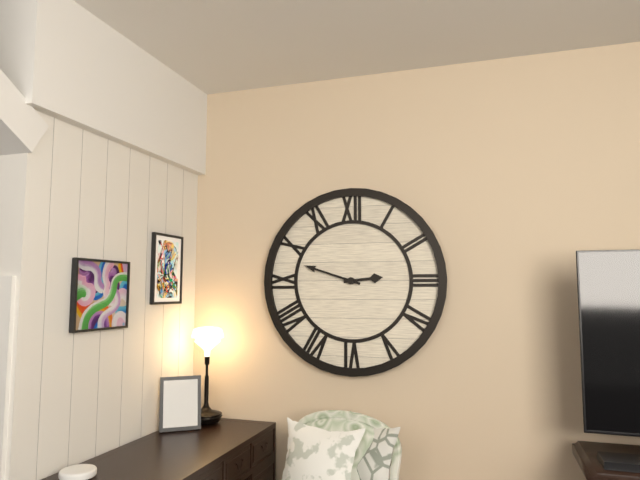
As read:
2.48
